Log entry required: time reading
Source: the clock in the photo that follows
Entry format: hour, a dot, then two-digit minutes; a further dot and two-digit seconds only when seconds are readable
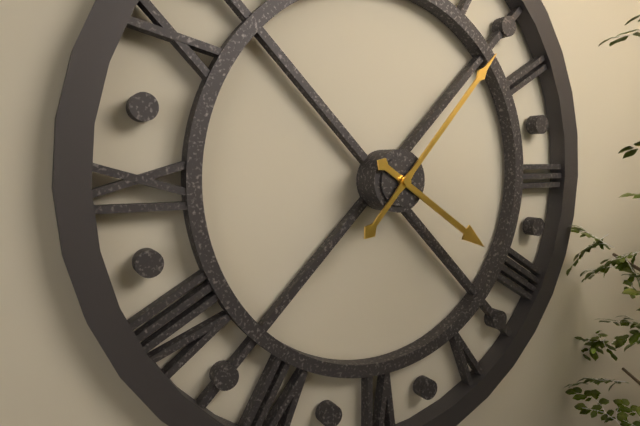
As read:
4.07
